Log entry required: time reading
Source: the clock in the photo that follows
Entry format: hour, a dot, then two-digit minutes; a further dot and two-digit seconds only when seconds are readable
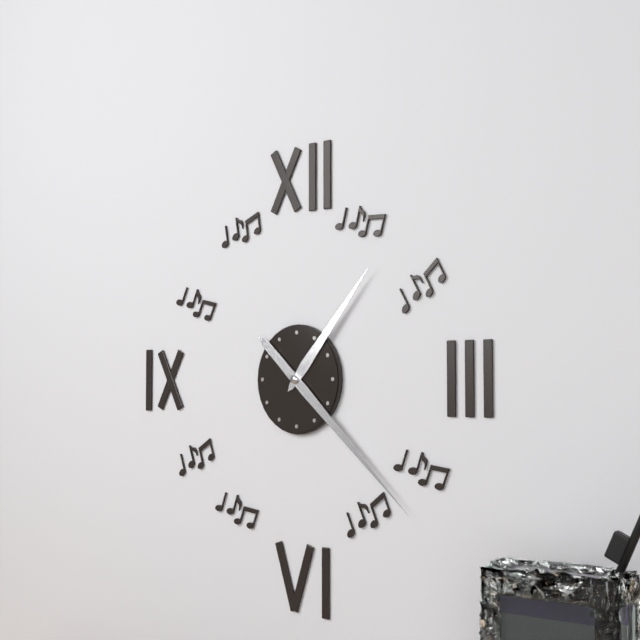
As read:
1.22
